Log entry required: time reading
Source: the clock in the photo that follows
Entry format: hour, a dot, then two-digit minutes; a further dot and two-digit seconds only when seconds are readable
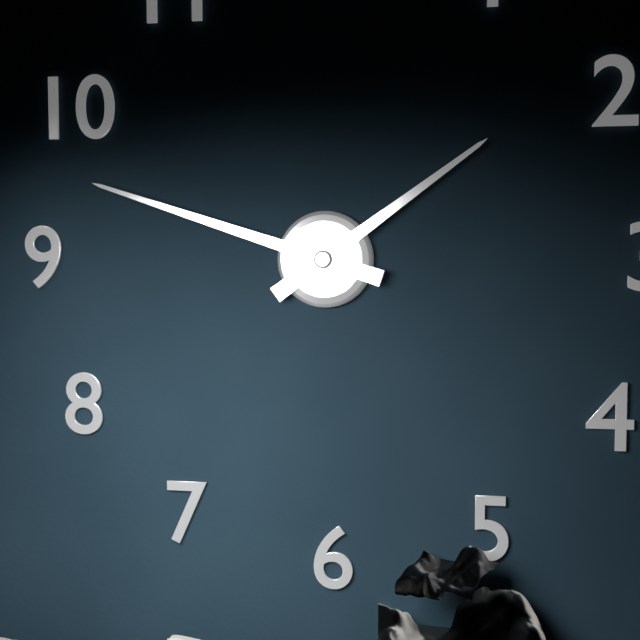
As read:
1.48
